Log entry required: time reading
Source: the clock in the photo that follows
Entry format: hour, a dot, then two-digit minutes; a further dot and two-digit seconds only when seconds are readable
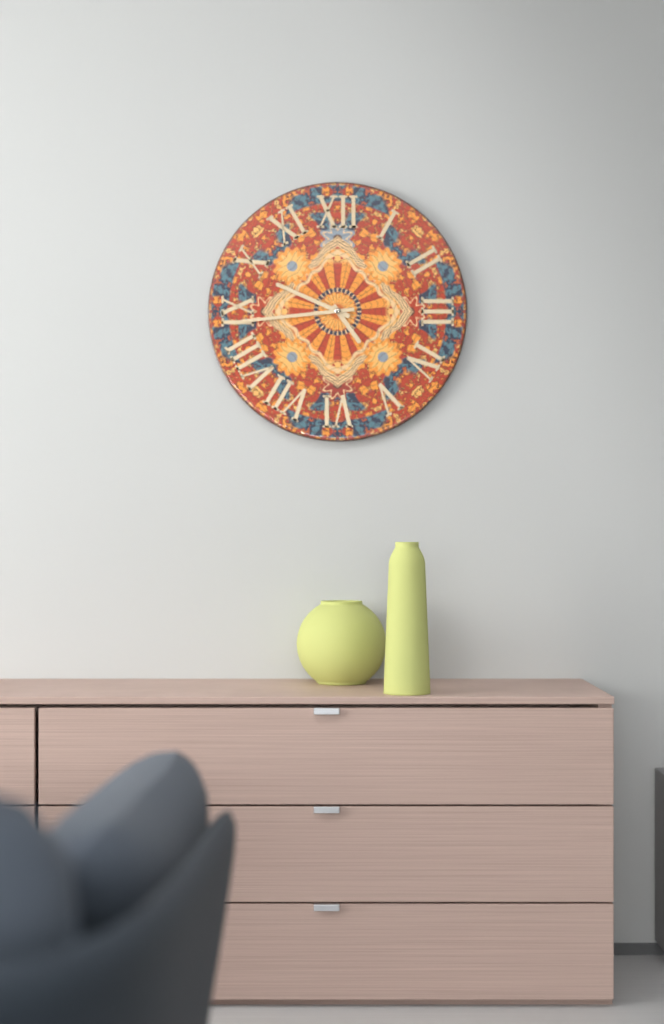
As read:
4.49.44
